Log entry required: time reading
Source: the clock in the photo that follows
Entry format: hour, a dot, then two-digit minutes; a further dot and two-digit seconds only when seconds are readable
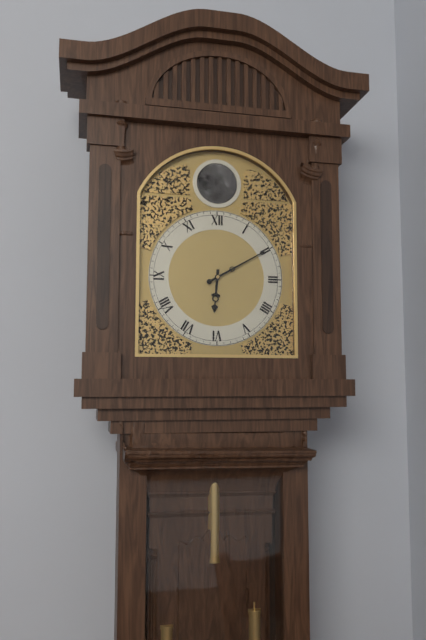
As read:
6.10
